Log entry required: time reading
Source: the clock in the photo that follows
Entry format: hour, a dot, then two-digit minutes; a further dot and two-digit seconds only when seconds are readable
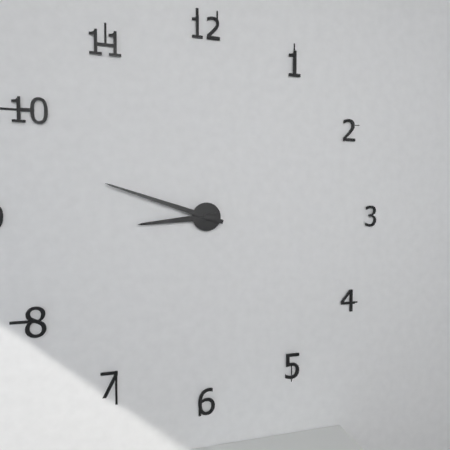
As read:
8.48
